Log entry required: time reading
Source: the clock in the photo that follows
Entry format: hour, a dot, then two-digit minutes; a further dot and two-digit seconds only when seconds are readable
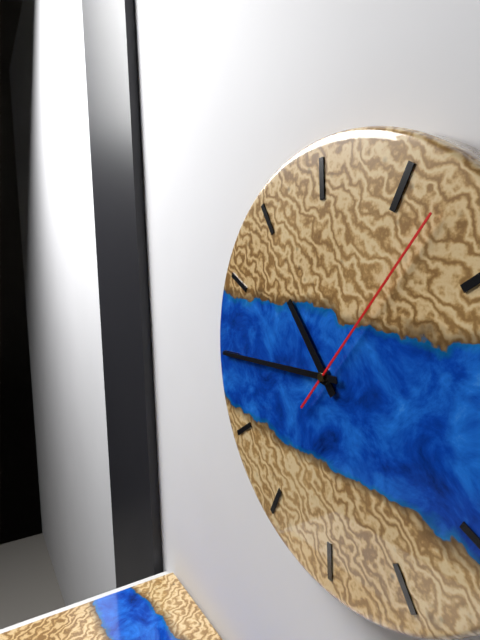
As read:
10.45.07
